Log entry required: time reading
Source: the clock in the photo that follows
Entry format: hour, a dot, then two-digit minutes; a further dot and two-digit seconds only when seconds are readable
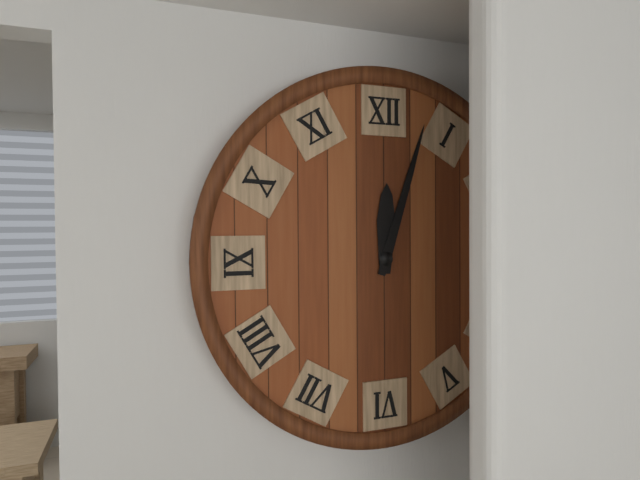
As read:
12.03
